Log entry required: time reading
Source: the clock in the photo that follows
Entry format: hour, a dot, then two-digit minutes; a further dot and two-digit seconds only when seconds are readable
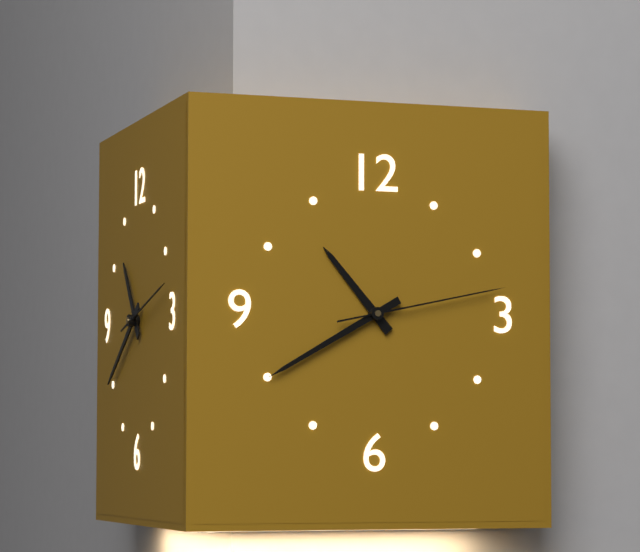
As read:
10.40.13
